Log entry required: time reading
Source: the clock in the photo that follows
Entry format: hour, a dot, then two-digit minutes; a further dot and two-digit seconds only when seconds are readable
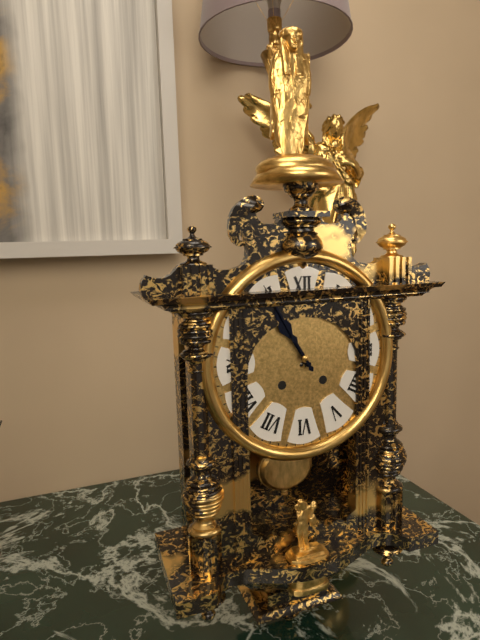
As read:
10.55
